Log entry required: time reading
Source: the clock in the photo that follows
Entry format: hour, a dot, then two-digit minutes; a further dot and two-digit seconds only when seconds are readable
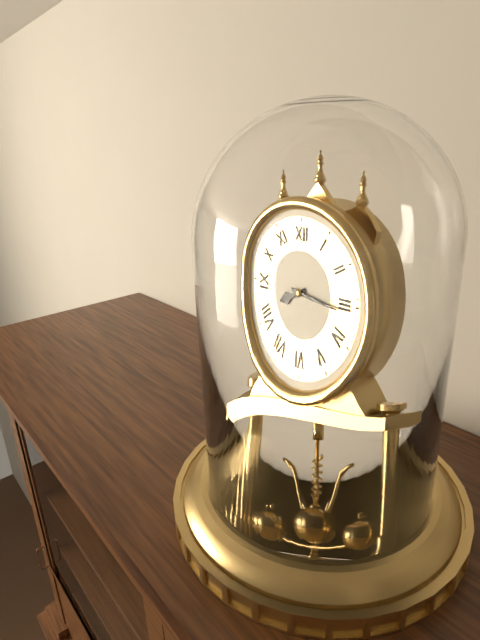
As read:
8.16
